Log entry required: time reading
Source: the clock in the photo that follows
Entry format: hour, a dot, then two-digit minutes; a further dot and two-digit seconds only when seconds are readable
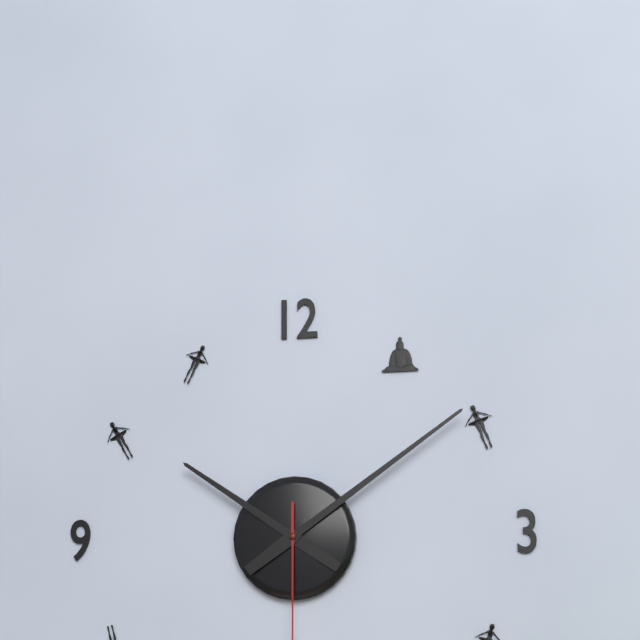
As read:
10.09
